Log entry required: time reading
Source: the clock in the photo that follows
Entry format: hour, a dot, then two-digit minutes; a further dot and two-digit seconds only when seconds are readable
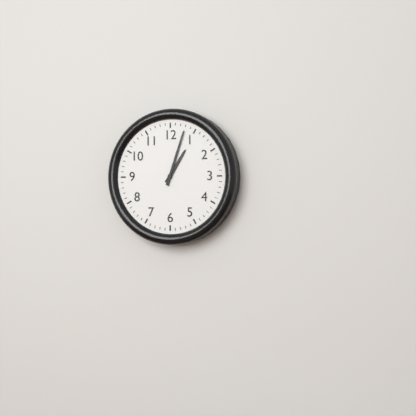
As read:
1.03
